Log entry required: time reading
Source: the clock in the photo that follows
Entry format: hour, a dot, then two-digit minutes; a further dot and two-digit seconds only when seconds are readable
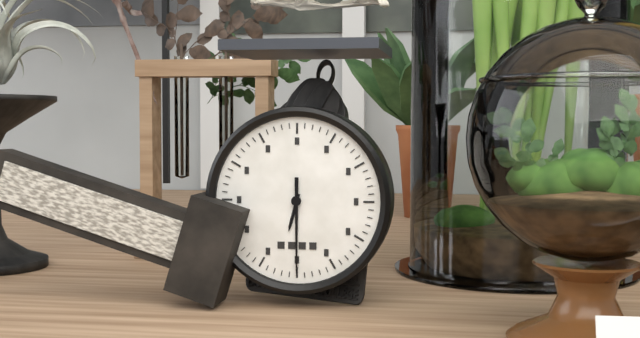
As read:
6.30
